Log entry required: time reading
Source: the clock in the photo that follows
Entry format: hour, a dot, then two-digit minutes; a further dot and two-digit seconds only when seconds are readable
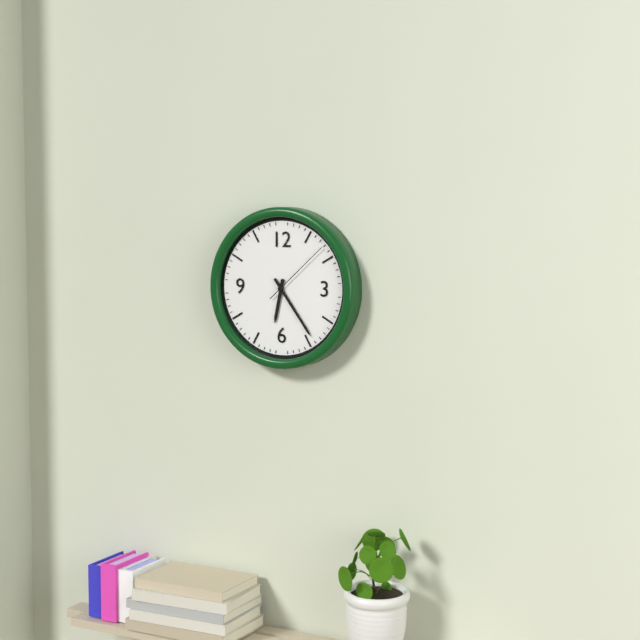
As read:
6.24.08
